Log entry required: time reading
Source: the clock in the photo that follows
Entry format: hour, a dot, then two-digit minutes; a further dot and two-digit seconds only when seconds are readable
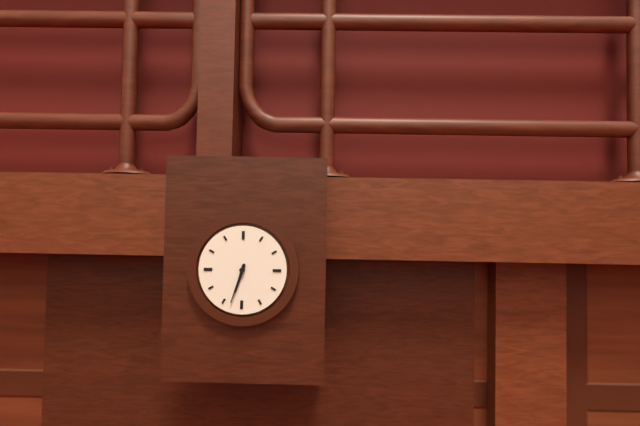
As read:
6.33
